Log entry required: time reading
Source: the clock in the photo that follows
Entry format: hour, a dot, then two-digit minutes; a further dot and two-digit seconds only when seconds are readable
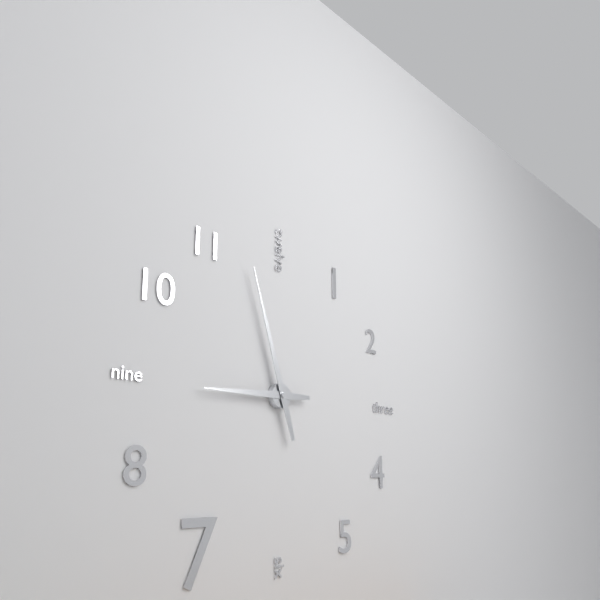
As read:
8.57
